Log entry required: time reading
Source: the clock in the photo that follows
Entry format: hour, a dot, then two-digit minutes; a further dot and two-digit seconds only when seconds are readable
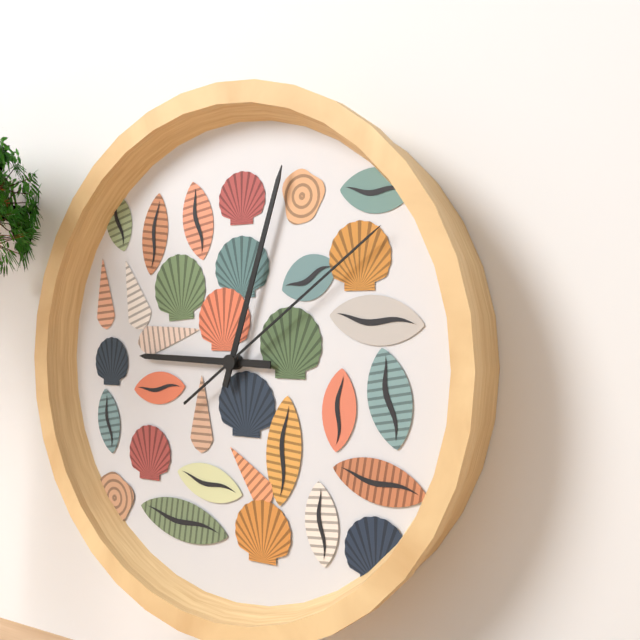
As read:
9.03.09
